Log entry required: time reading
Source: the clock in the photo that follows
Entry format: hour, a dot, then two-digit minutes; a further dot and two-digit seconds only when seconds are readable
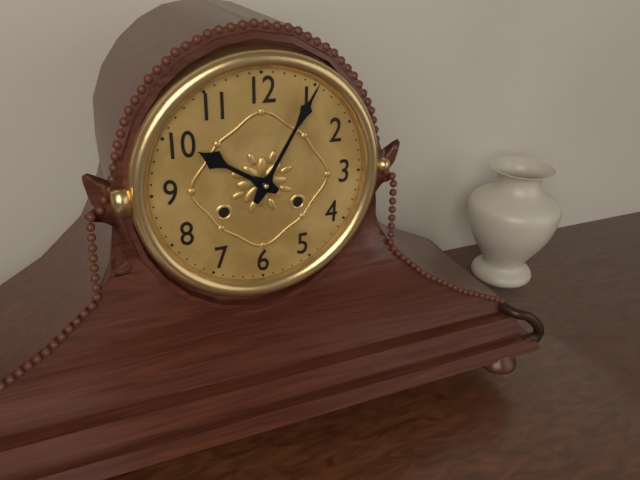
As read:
10.05
